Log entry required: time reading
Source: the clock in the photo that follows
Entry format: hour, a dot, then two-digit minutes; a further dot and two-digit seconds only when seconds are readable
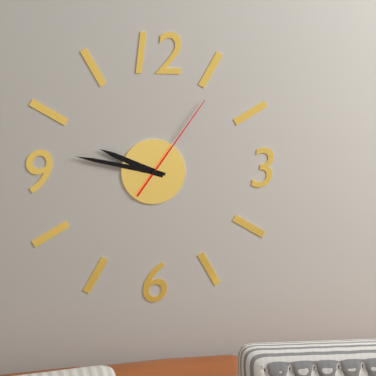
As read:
9.47.06
